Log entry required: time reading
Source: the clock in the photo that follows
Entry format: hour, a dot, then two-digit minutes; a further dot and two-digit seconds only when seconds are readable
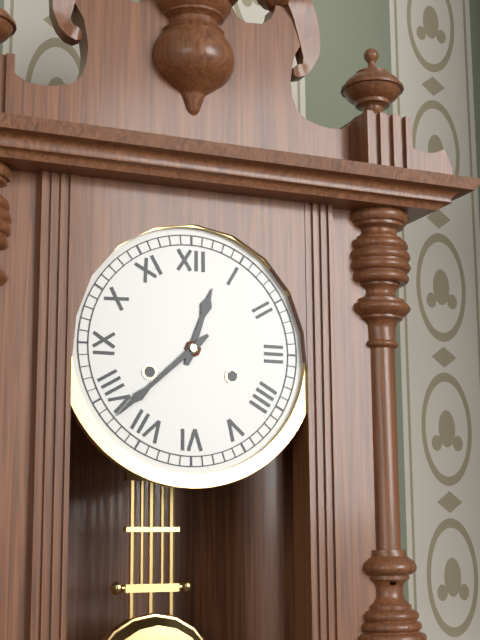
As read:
12.38
